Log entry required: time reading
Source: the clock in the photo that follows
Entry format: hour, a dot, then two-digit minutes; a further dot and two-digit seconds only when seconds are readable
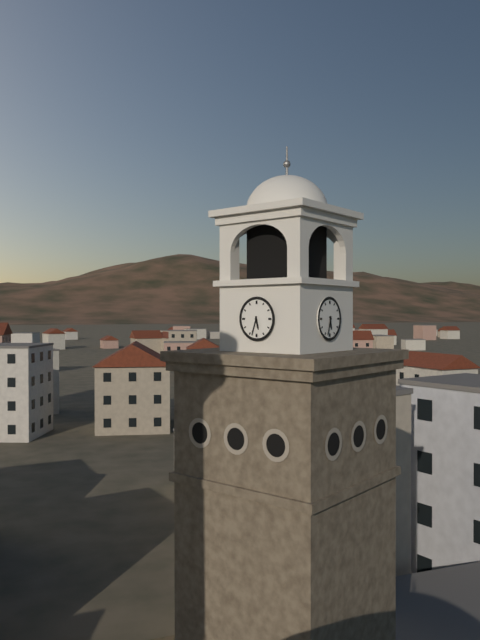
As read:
5.33
